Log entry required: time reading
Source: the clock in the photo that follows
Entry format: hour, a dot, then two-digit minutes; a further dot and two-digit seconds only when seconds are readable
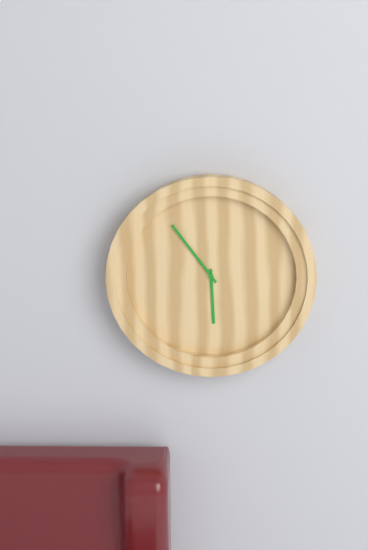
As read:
5.54
